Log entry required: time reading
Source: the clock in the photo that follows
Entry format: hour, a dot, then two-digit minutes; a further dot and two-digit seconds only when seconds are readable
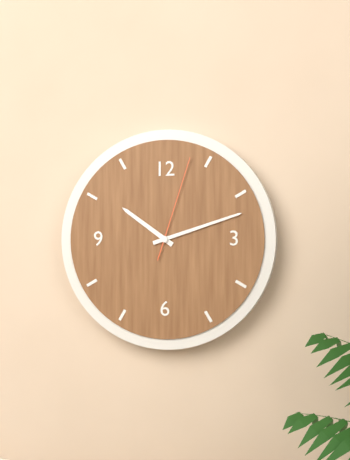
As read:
10.12.03
